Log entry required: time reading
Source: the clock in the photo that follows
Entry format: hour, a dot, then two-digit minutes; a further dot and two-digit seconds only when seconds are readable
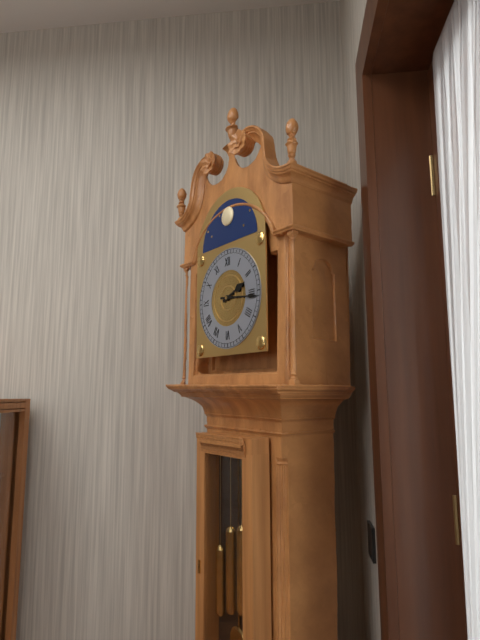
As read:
2.16
